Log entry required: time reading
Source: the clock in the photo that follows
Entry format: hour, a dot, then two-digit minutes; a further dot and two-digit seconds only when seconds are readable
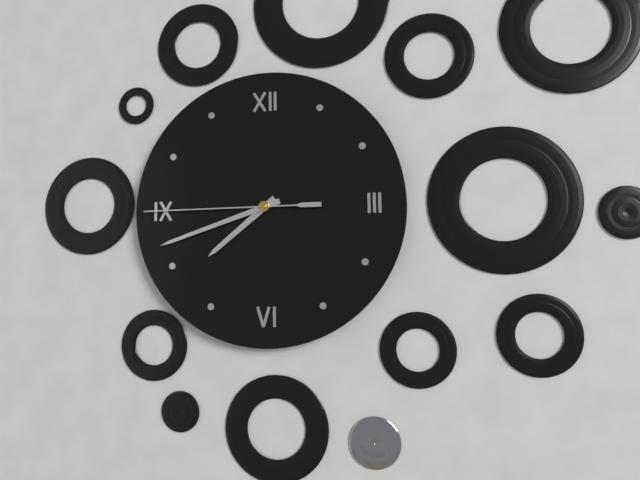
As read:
7.42.45
